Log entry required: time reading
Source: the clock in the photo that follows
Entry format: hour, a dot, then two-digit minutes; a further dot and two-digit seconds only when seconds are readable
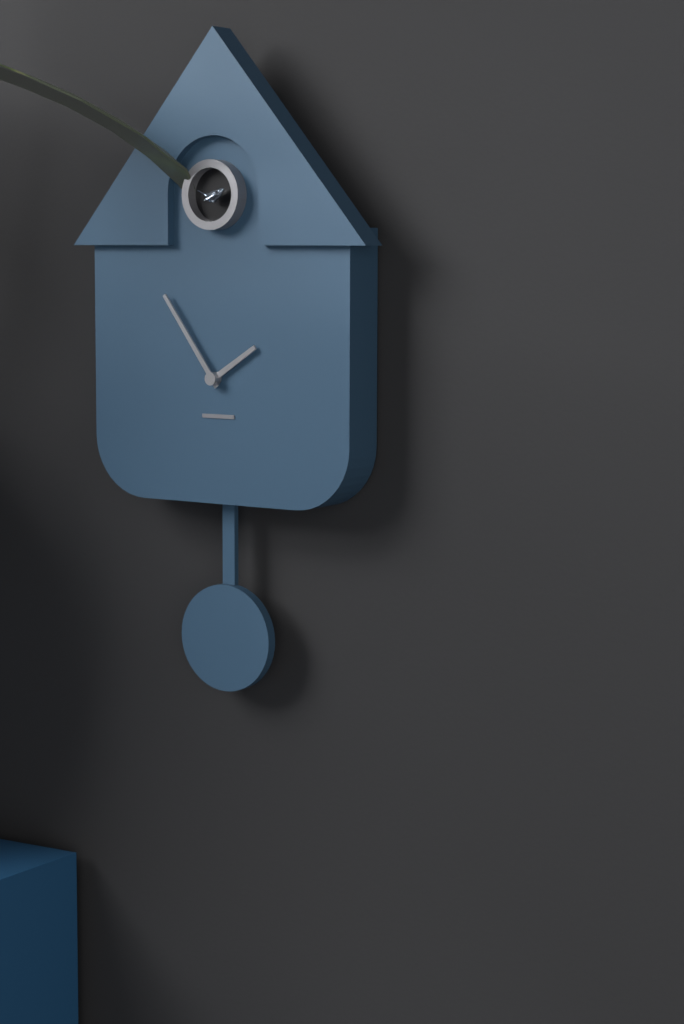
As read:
1.54
